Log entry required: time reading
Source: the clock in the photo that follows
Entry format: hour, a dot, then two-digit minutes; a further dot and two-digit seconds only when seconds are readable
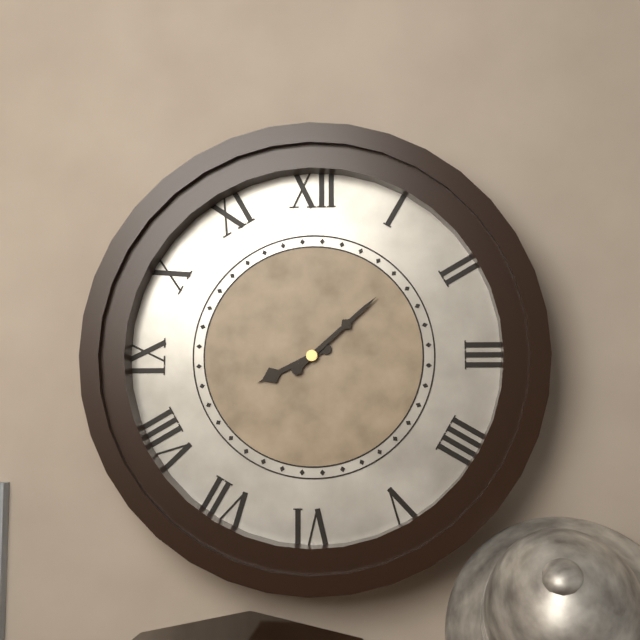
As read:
8.08
